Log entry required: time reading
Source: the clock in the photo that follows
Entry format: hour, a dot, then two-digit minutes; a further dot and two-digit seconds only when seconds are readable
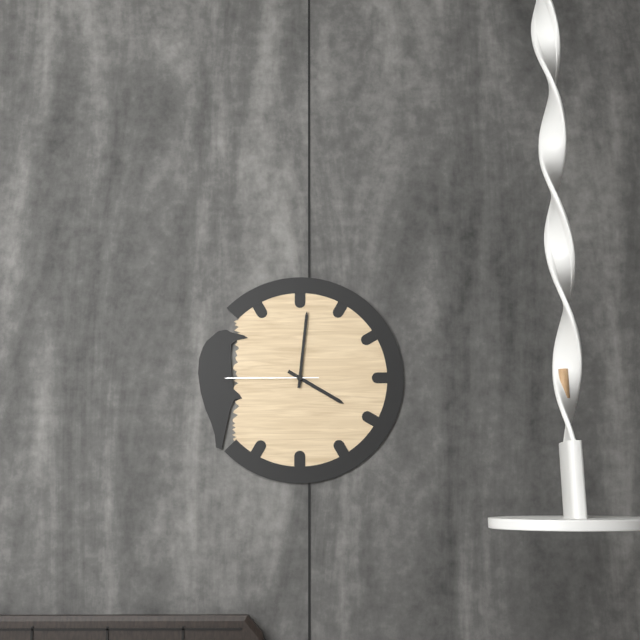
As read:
4.01.45
